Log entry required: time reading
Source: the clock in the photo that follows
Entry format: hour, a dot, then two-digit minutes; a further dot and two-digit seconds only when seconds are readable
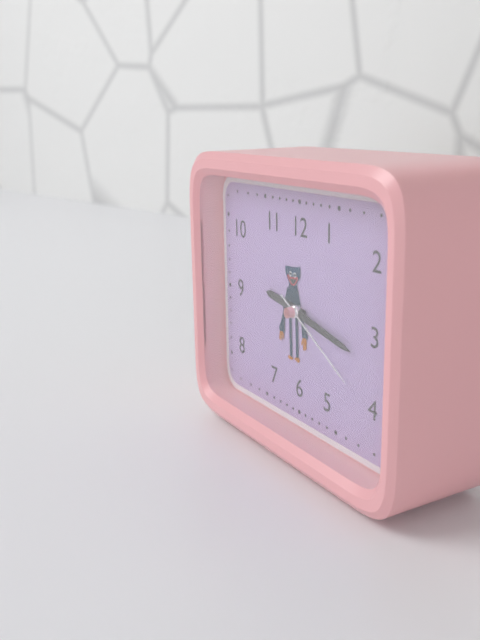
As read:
9.17.20
